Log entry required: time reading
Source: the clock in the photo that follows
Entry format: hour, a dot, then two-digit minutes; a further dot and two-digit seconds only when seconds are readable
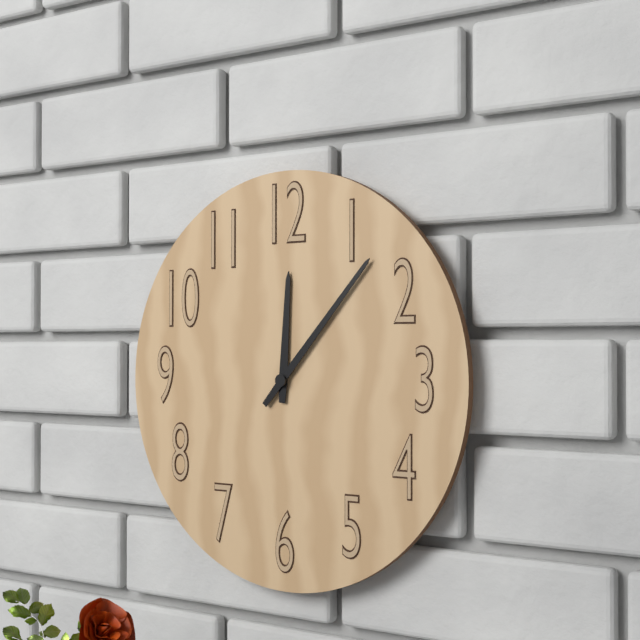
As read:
12.07
